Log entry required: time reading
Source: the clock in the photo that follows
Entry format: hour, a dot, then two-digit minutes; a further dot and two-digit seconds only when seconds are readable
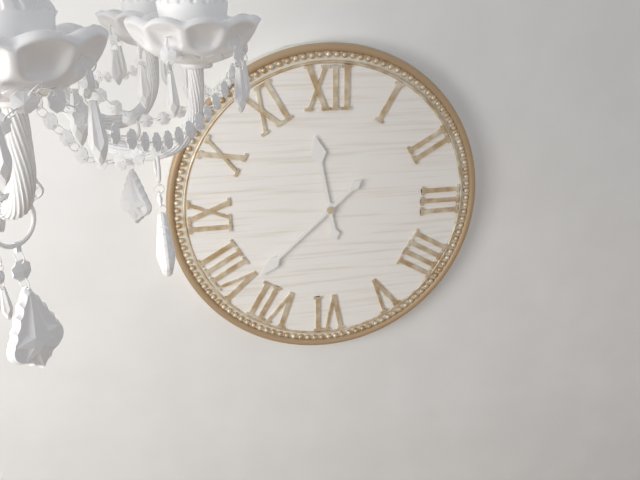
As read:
11.38
